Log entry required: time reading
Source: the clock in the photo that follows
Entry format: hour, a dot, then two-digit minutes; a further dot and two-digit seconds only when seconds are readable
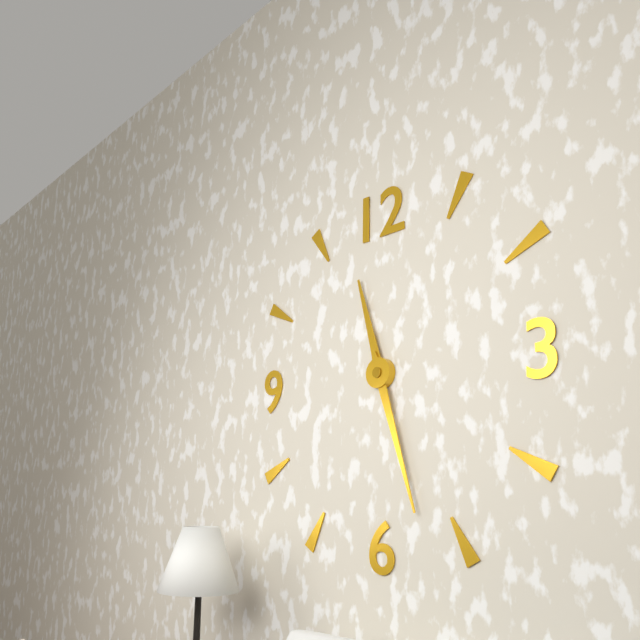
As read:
11.27
